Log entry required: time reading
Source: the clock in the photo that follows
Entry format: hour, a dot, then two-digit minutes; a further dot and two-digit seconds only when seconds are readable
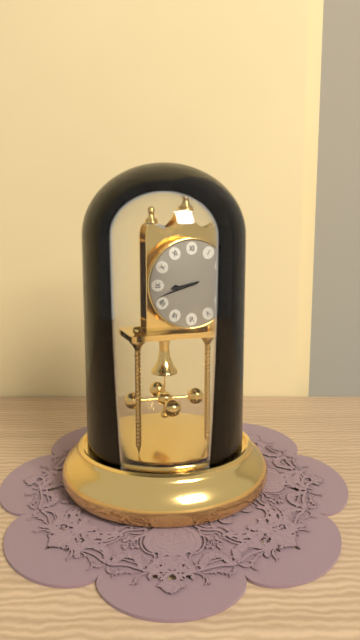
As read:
8.42
